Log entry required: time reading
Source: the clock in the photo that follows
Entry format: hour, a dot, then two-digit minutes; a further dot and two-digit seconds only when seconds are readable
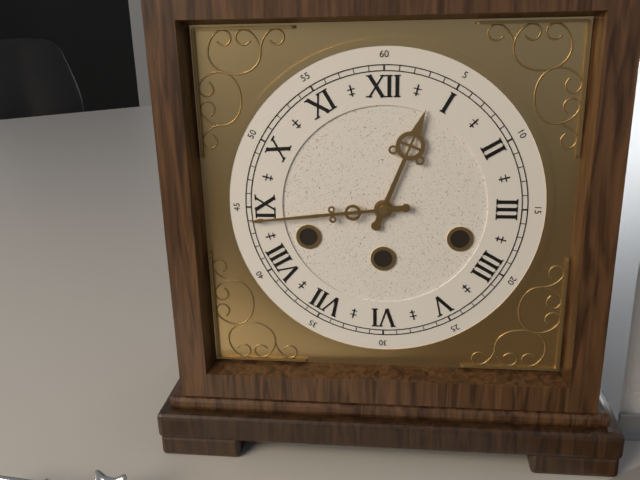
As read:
12.44
